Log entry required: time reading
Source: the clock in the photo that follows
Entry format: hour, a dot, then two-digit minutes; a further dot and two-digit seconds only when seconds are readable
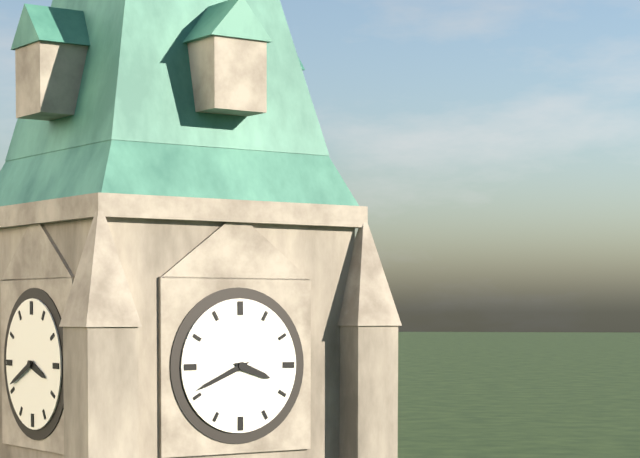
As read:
3.41
